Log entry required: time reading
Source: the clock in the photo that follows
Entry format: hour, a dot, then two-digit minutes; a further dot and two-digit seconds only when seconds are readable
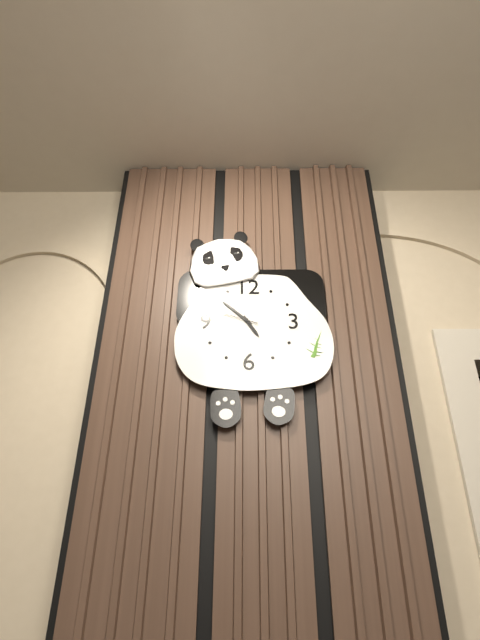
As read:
4.52.48
